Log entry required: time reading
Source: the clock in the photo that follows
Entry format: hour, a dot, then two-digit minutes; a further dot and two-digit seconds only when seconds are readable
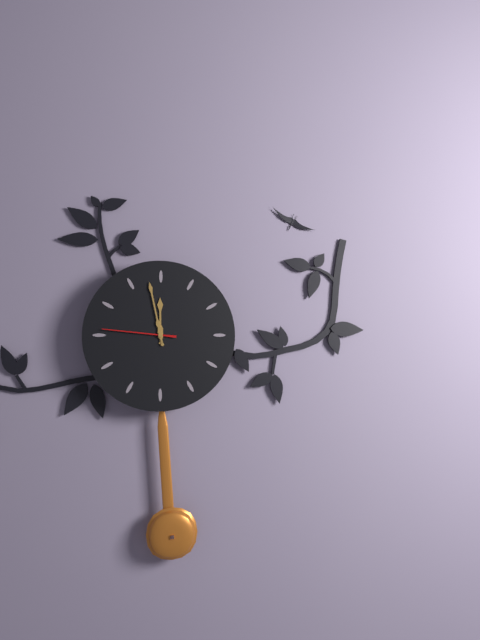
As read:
11.58.46
